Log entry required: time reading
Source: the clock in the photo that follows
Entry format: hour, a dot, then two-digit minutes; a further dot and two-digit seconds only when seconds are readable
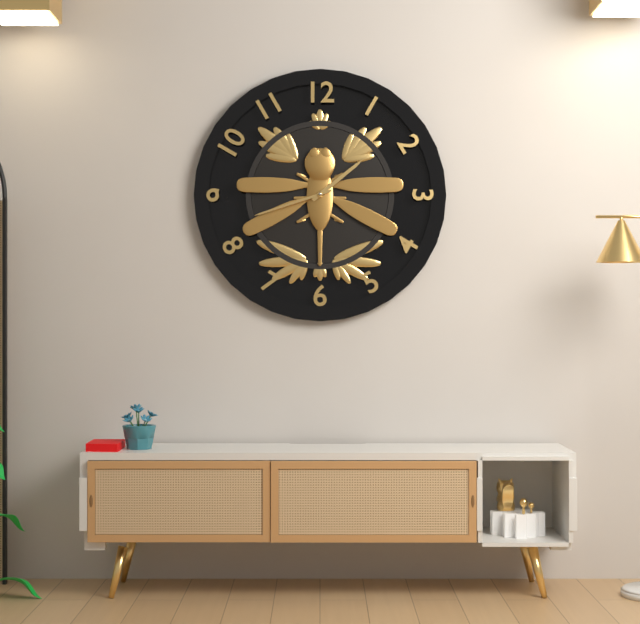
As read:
1.42
